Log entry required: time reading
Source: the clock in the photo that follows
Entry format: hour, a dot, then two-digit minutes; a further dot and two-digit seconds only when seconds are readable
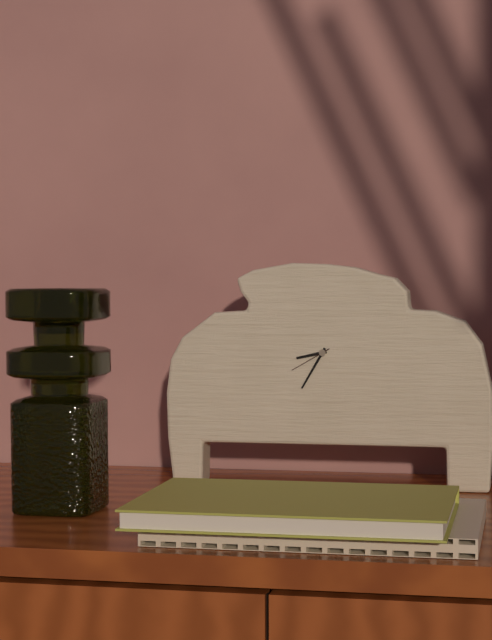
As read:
8.35
